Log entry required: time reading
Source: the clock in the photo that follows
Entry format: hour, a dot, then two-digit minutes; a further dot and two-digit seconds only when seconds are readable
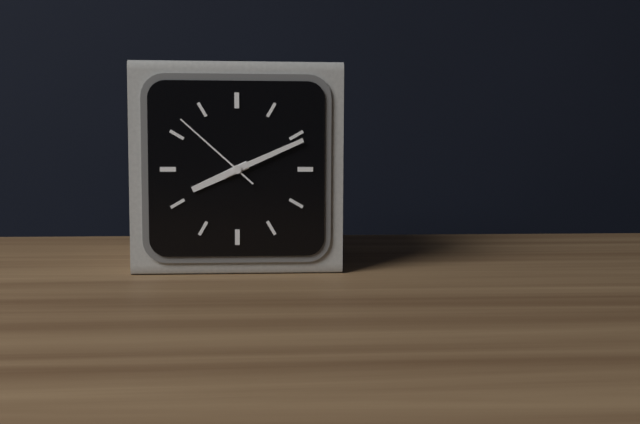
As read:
8.11.52
